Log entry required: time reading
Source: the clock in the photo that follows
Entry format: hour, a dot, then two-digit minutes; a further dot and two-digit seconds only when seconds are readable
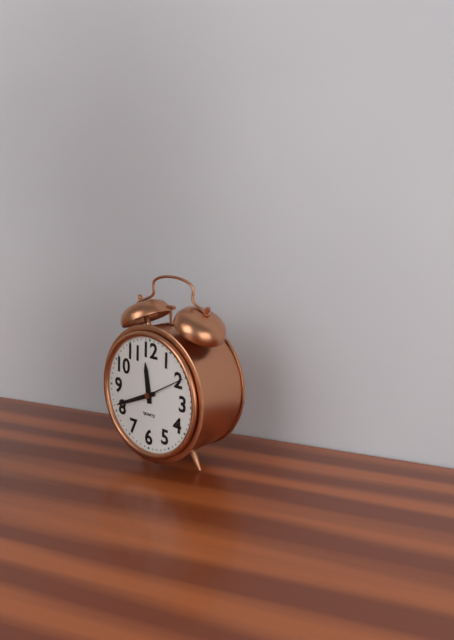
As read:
11.41
